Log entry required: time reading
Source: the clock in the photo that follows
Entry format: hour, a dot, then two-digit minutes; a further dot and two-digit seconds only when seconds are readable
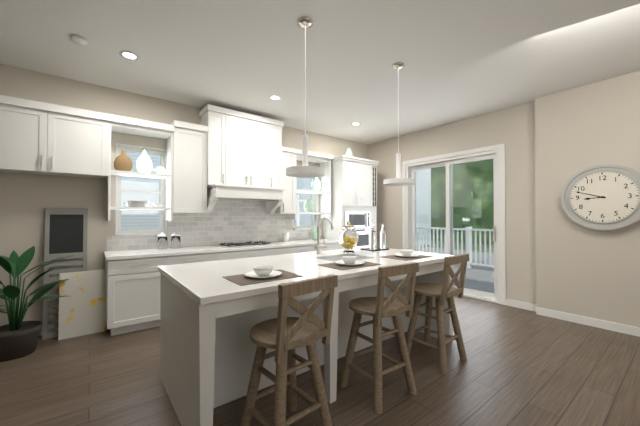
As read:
8.48
